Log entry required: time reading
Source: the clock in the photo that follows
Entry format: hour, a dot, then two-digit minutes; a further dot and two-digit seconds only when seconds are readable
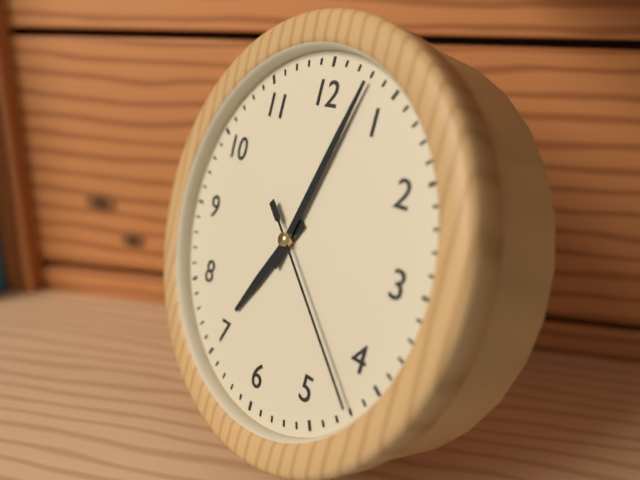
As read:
7.03.22
